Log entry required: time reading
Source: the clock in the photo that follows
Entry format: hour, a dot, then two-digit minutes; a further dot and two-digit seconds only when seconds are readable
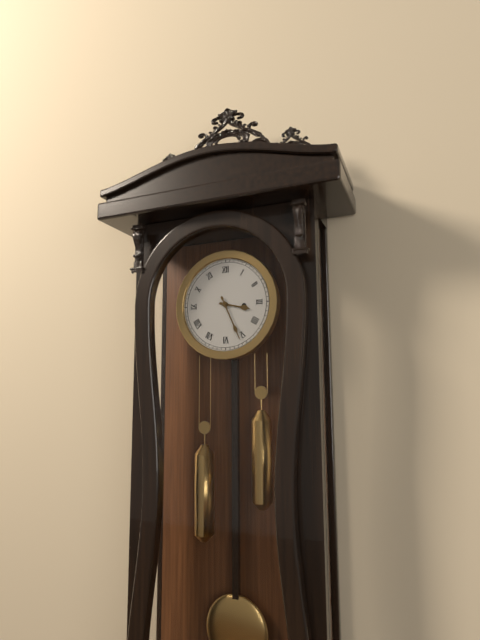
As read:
3.26
